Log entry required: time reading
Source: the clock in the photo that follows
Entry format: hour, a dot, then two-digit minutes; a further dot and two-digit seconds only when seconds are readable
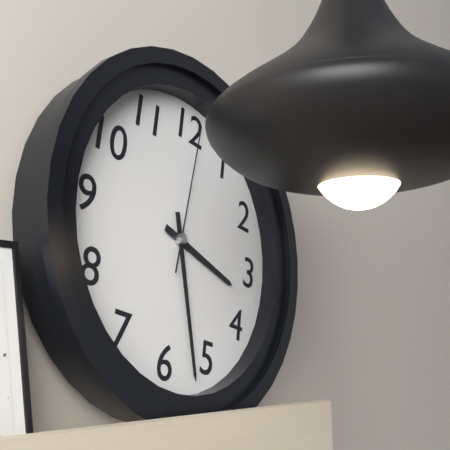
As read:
3.27.01
